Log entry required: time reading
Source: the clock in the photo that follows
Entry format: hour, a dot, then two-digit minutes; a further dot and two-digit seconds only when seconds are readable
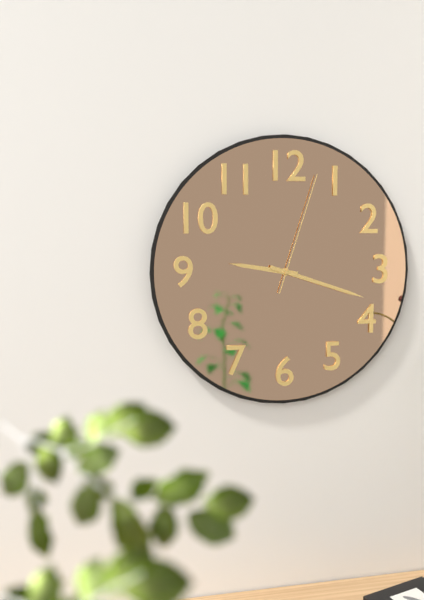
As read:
9.18.03
